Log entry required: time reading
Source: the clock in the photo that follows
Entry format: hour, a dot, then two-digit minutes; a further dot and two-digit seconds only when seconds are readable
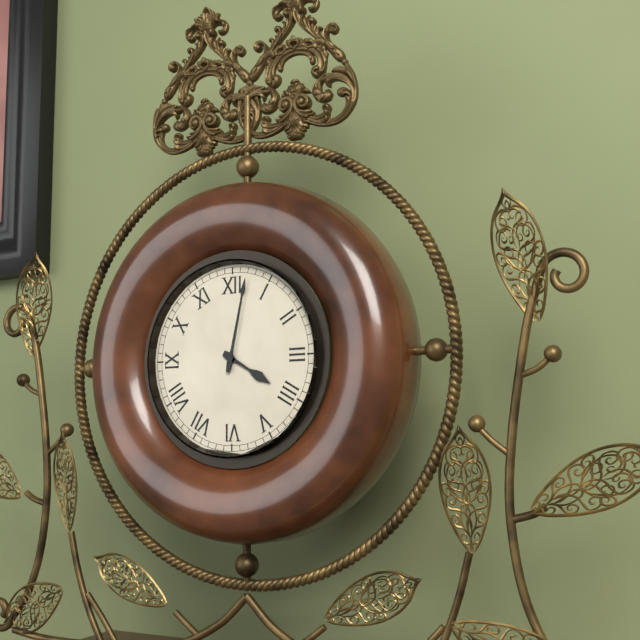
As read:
4.02
